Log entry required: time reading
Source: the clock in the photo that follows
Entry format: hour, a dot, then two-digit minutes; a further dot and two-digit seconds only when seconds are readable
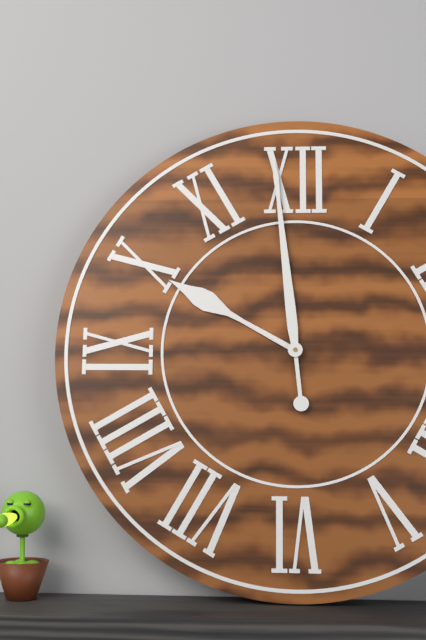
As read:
9.59
